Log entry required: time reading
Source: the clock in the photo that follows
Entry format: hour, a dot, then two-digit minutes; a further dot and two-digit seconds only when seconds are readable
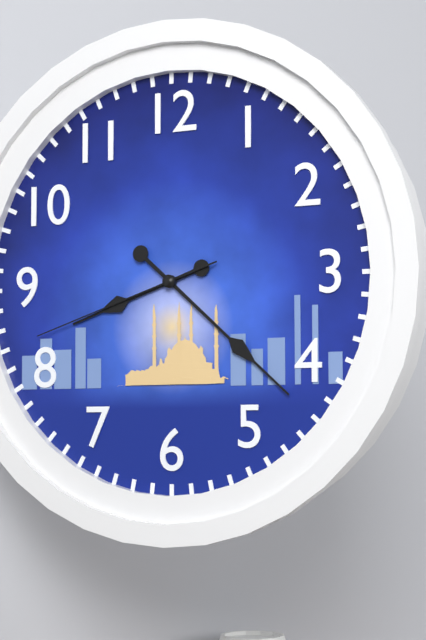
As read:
8.22.42
